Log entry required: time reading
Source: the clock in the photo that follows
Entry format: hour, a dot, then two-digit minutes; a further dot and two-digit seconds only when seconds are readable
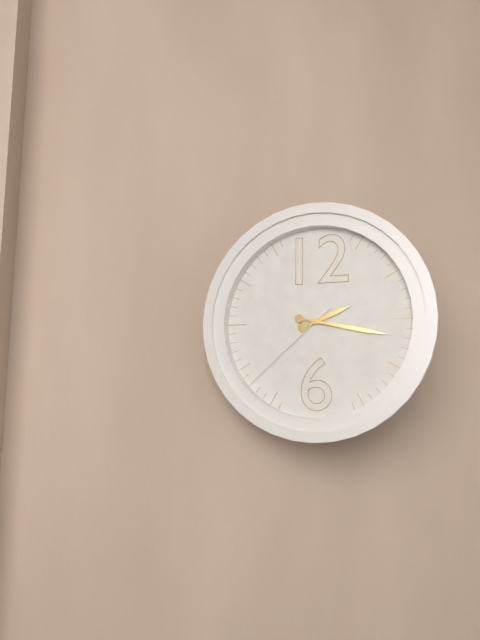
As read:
2.17.38
